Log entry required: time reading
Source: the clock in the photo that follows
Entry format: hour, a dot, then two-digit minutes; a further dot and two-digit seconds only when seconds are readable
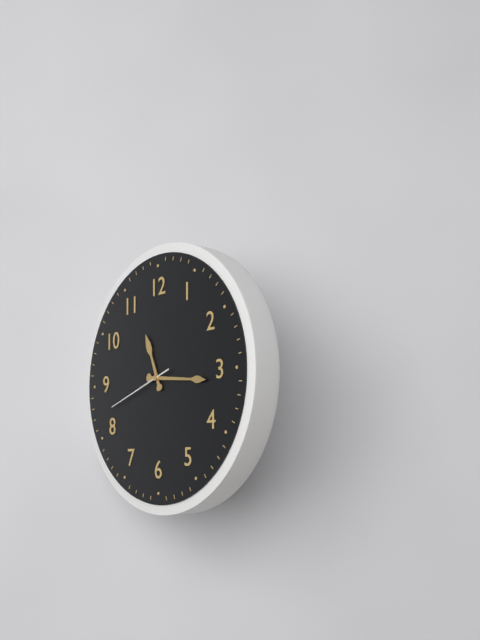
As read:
11.16.42
